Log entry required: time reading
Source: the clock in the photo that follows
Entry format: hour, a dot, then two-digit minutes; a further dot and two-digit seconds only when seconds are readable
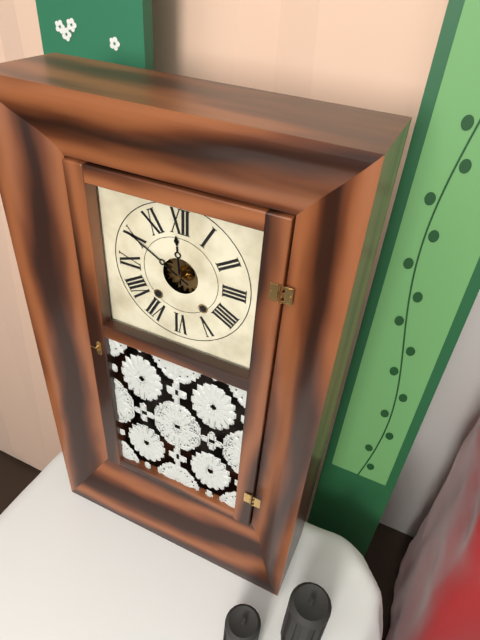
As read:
11.50
